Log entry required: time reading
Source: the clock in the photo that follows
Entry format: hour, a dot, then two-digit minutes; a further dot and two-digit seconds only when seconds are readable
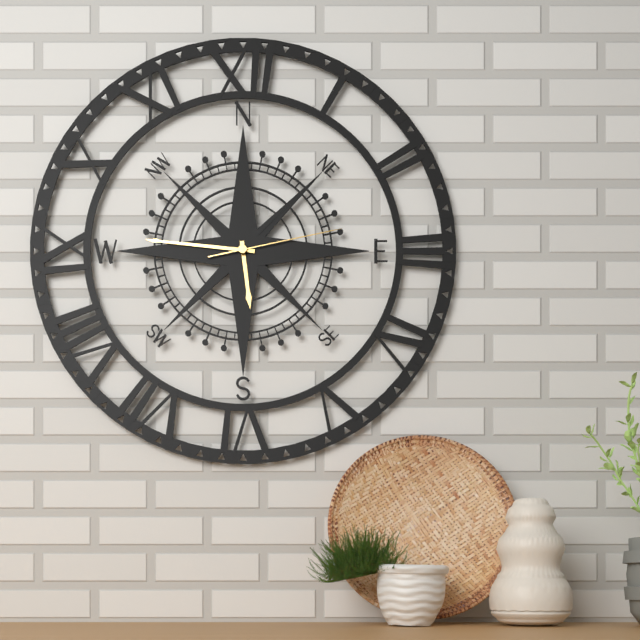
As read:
5.46.13
